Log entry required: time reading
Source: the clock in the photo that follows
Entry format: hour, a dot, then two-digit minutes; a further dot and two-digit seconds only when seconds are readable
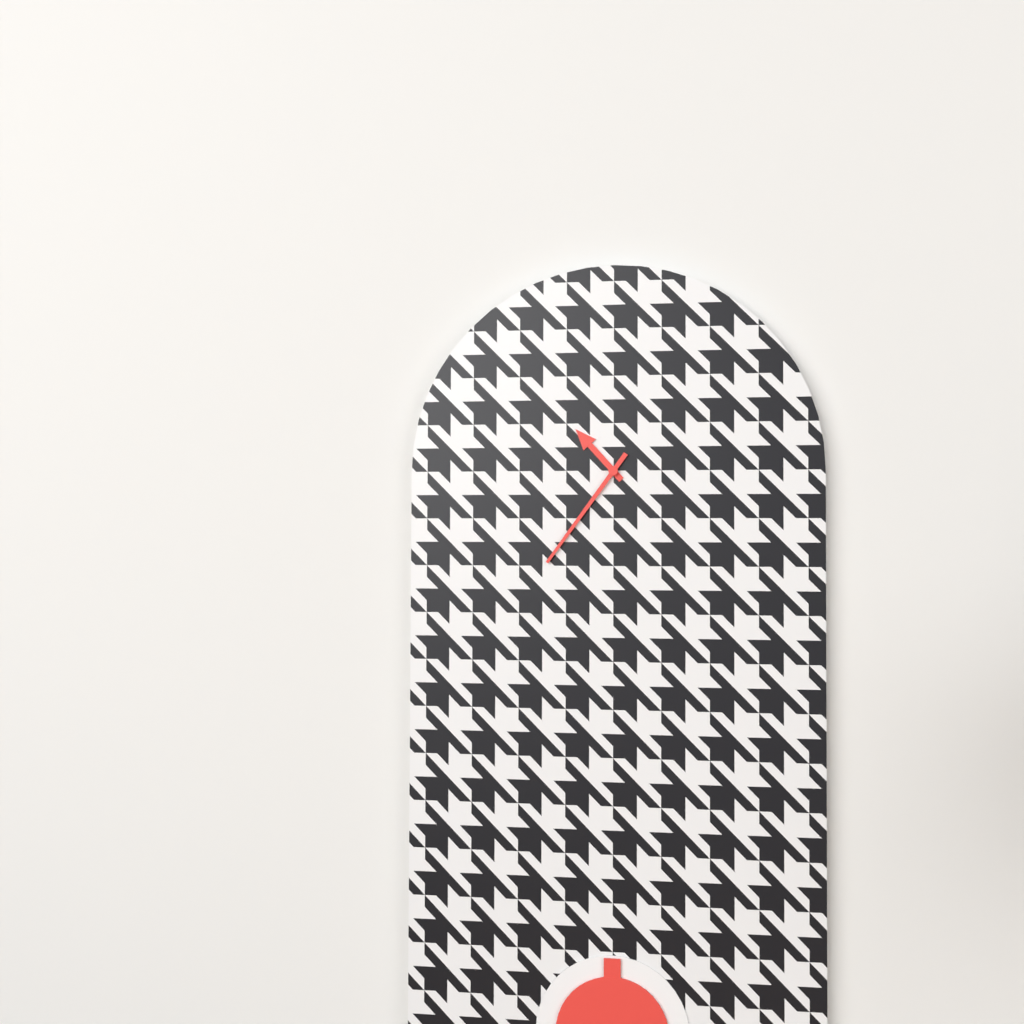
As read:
10.36
